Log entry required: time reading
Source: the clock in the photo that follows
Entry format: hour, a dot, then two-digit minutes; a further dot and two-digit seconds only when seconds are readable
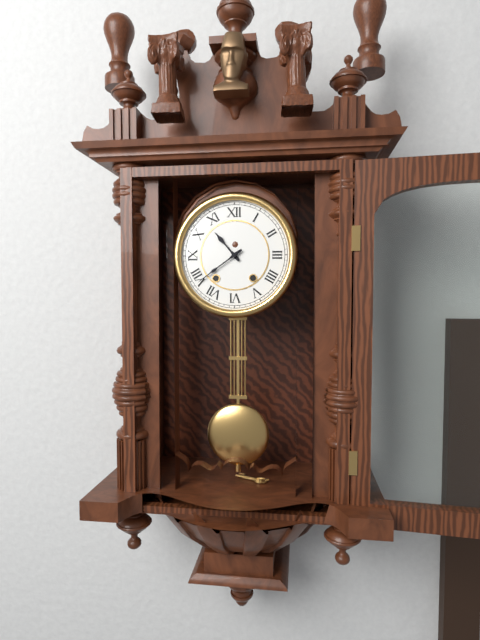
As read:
10.39
